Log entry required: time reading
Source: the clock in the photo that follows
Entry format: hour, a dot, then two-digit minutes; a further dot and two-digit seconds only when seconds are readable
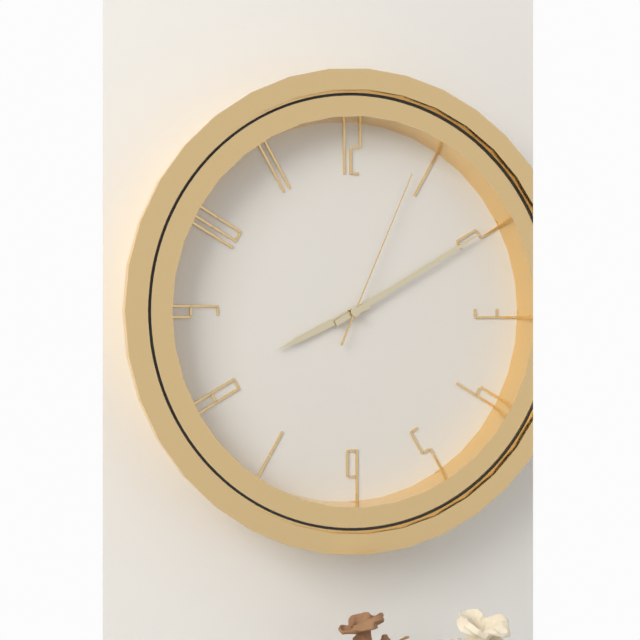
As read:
8.10.04
